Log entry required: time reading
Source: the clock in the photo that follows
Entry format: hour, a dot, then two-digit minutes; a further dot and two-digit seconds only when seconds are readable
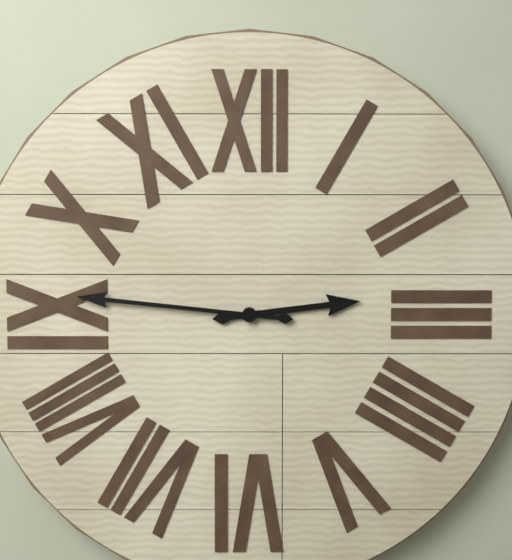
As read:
2.46
